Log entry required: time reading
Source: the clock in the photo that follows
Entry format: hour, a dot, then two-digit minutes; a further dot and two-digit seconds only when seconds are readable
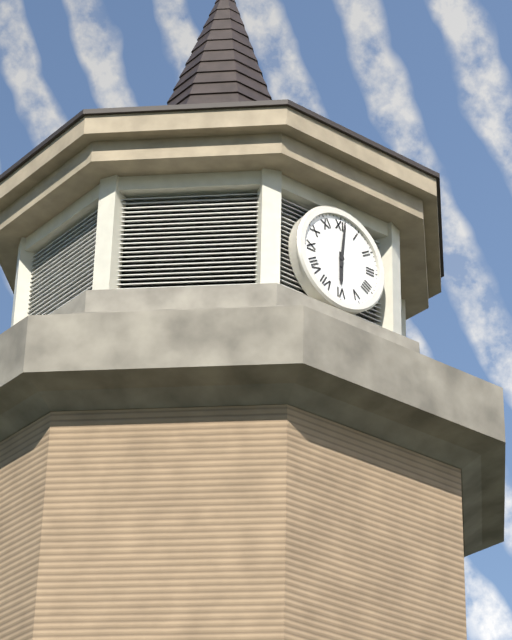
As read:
6.01
